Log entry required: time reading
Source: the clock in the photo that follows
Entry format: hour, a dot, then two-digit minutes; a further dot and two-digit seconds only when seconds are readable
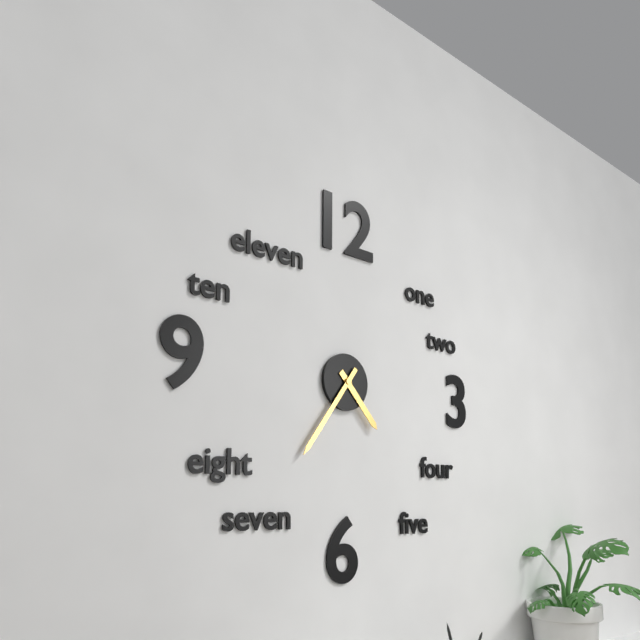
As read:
4.36
